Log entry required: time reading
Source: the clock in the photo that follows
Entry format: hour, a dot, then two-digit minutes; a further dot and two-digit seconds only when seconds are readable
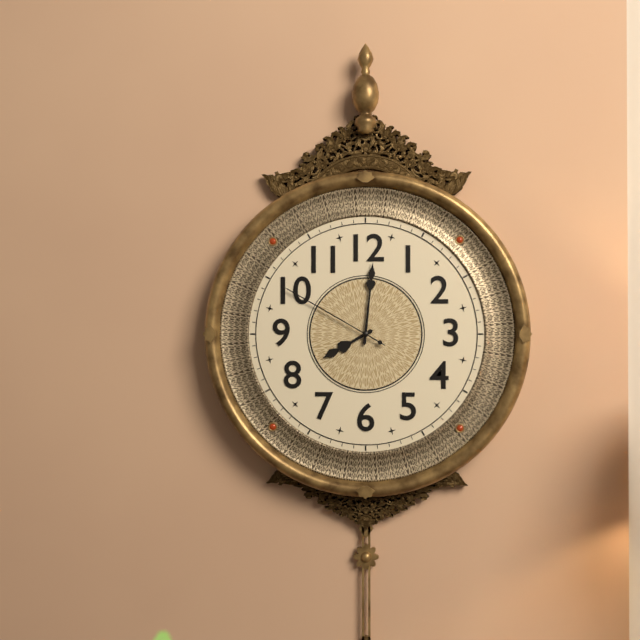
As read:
8.01.50
